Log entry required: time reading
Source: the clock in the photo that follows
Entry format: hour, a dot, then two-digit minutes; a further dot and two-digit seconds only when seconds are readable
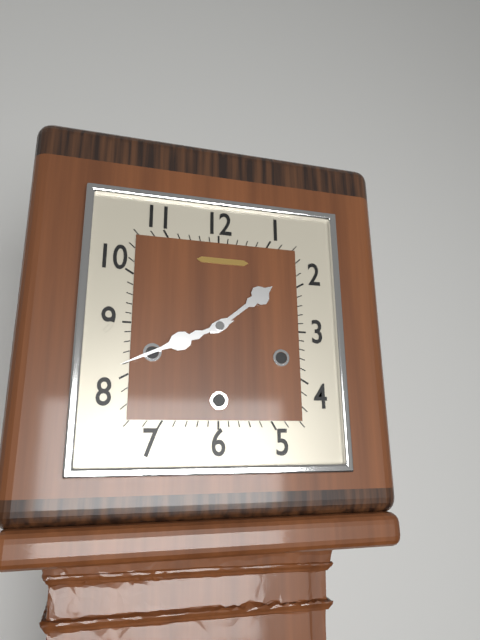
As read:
1.41
